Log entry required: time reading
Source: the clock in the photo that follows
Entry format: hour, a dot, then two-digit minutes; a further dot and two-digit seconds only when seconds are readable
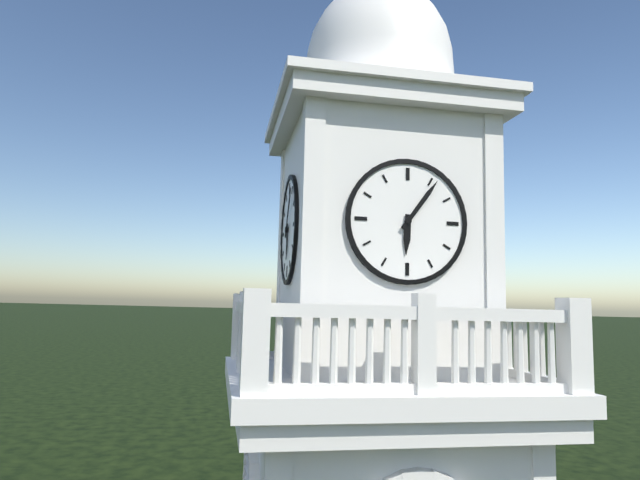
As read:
6.06
